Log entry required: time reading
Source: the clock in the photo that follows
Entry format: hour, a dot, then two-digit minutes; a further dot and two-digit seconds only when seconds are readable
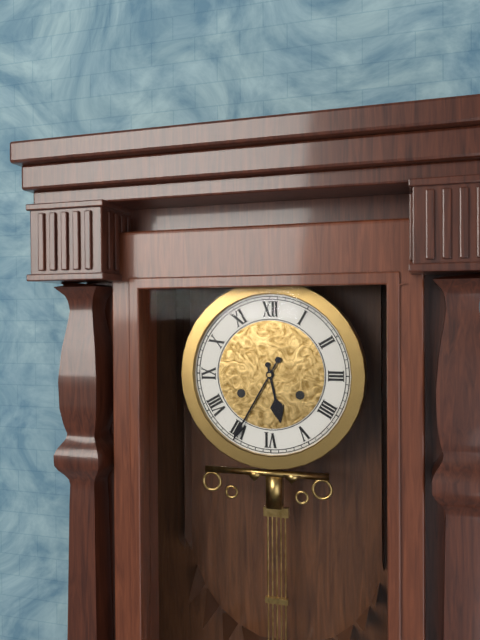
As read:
5.35
